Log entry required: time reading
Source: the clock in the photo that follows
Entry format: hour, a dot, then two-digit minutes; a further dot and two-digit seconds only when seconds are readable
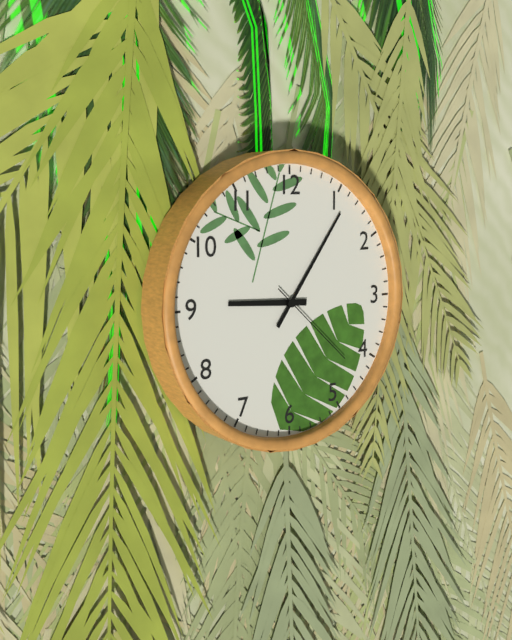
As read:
9.06.22
